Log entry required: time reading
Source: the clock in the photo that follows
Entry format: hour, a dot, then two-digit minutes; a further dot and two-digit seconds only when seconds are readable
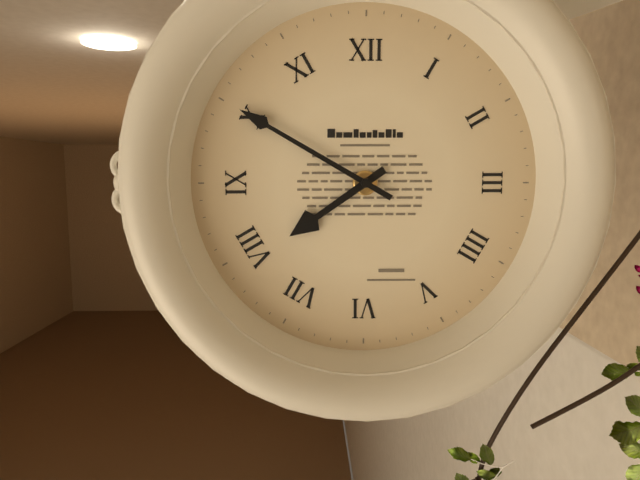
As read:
7.50
